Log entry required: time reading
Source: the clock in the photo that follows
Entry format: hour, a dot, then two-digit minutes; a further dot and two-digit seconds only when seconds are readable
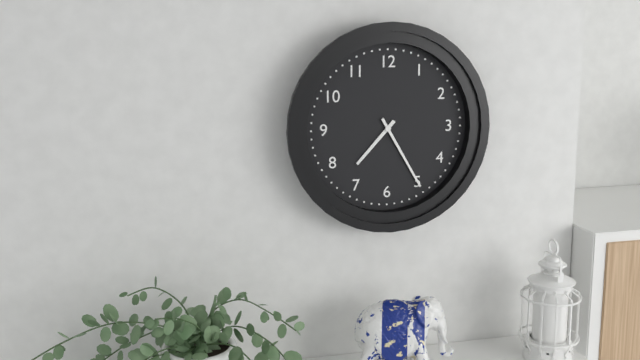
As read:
7.25
